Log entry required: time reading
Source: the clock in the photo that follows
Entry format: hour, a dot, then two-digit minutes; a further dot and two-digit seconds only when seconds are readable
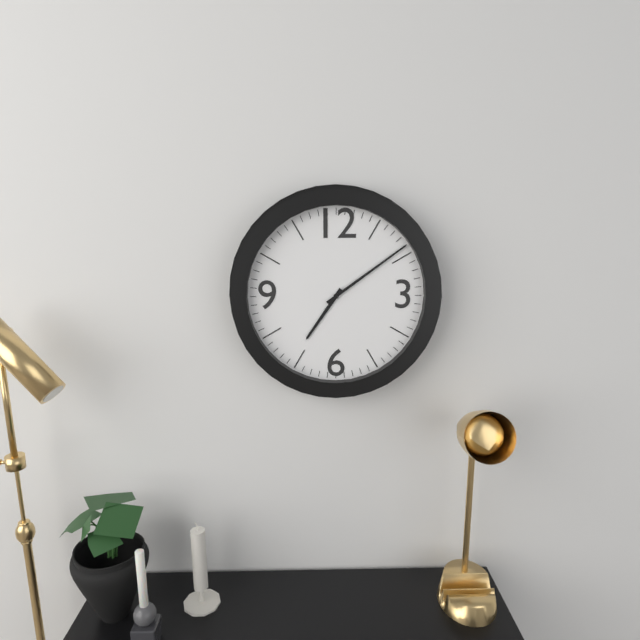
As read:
7.09
